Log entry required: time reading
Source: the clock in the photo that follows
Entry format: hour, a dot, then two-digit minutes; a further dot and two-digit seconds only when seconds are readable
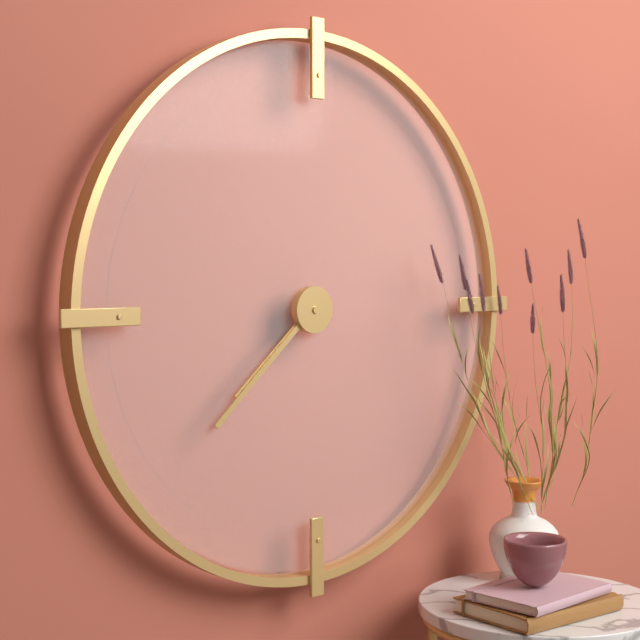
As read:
7.38
